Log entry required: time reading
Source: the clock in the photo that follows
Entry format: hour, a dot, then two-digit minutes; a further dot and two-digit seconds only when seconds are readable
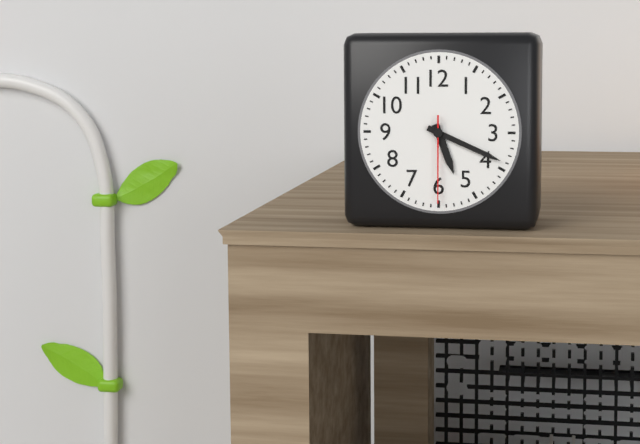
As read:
5.19.30
